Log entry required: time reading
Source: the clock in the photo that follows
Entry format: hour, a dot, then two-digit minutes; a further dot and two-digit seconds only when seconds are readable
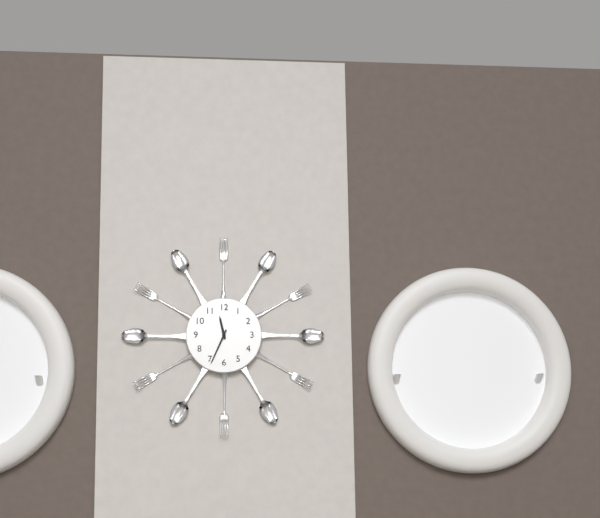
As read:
11.34
